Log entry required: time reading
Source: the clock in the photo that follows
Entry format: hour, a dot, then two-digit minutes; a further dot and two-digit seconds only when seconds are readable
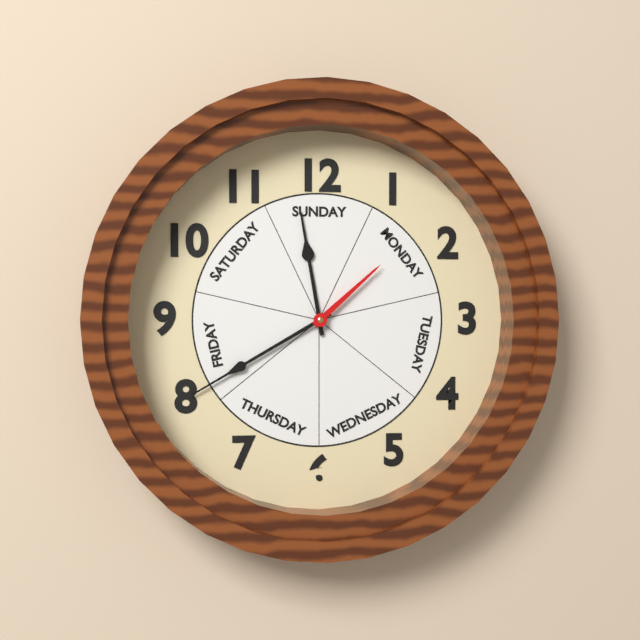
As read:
11.40.08
